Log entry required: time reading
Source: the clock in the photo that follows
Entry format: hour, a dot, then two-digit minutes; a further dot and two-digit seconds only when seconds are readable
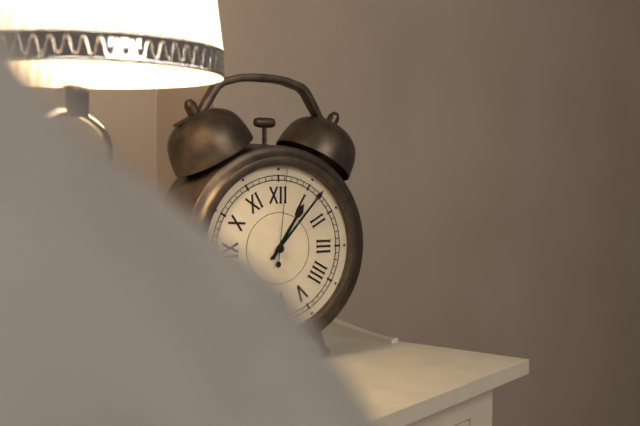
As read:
1.07.01
